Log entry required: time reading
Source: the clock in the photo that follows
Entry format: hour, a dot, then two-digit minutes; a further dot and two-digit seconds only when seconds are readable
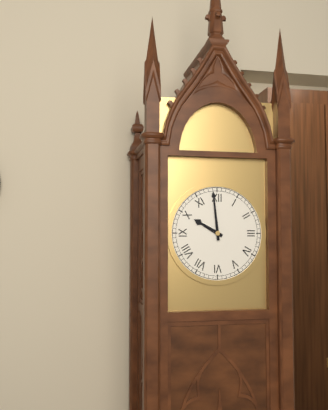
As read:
9.59
